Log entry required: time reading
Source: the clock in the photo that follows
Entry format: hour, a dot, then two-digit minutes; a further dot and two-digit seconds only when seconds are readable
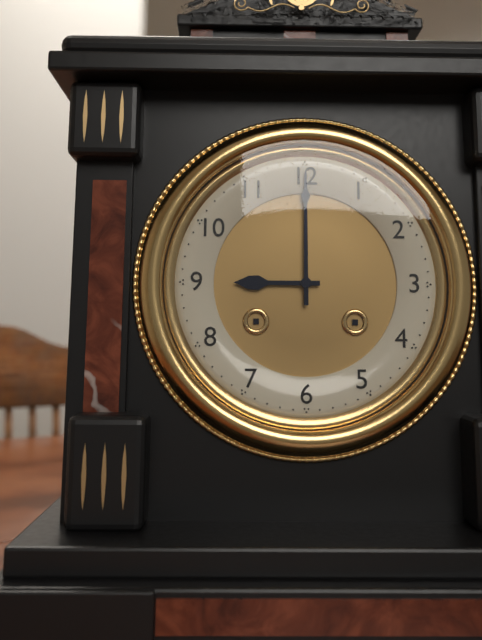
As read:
9.00
